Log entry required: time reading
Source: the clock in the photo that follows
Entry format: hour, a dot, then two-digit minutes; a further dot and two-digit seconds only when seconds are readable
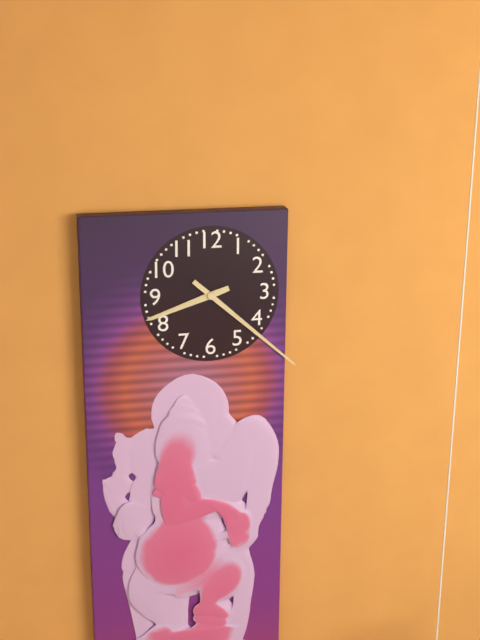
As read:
8.22
